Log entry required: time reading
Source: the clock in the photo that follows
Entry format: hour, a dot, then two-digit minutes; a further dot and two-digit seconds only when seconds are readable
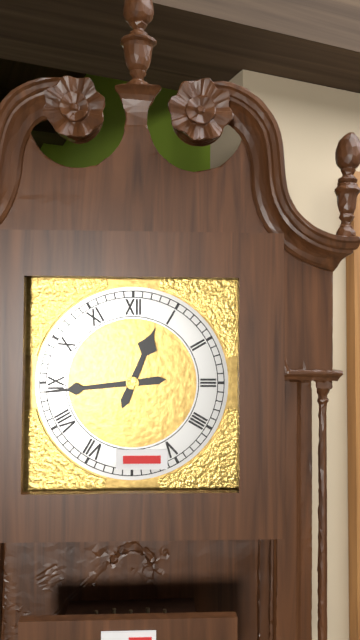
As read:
12.44
